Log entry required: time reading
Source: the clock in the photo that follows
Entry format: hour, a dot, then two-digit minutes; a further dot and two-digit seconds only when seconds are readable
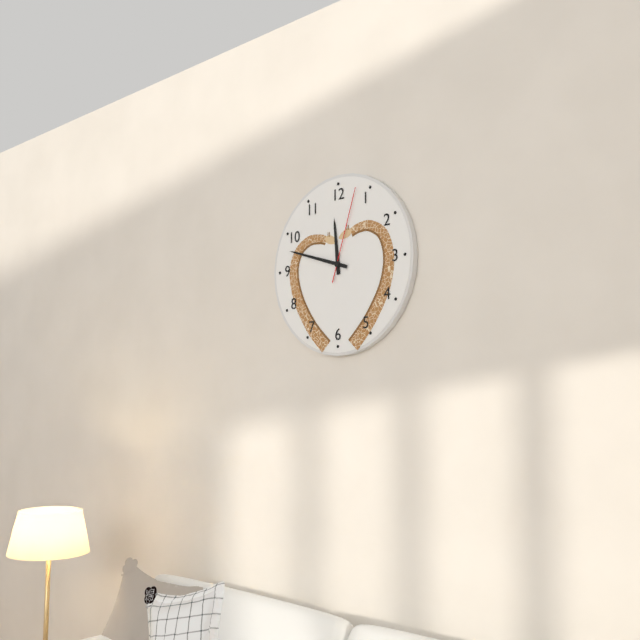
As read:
11.48.03
